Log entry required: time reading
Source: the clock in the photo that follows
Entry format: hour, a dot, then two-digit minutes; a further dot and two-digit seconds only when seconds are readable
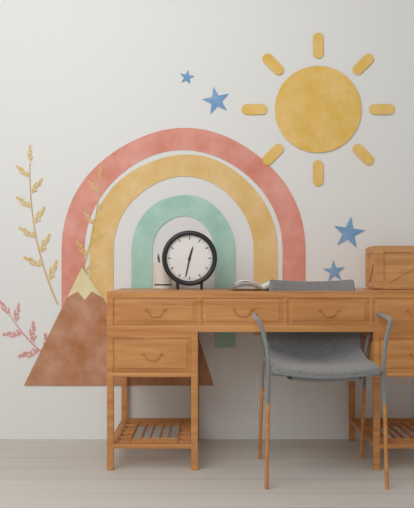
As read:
12.32
